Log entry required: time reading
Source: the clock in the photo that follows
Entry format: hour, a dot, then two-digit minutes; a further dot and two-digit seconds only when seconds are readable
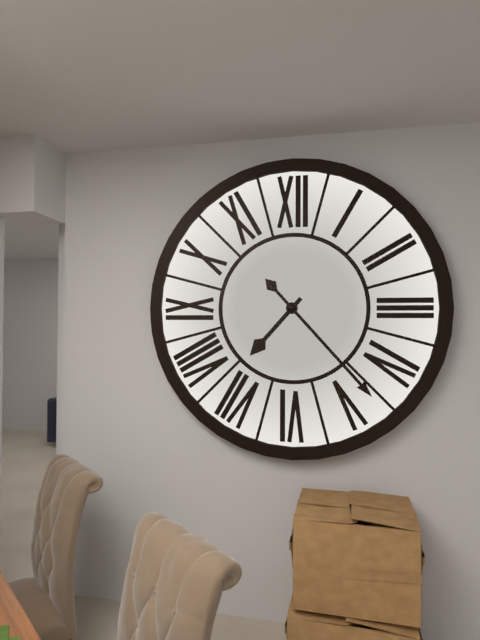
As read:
7.23
